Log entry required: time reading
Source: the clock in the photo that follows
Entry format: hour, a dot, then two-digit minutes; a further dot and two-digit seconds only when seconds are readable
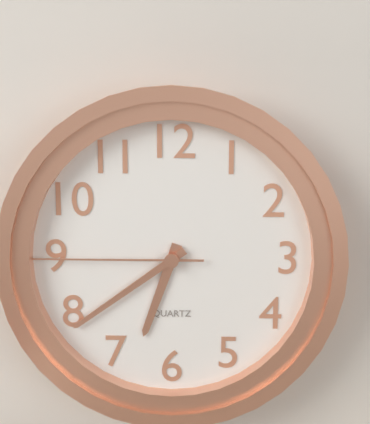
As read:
6.39.45
